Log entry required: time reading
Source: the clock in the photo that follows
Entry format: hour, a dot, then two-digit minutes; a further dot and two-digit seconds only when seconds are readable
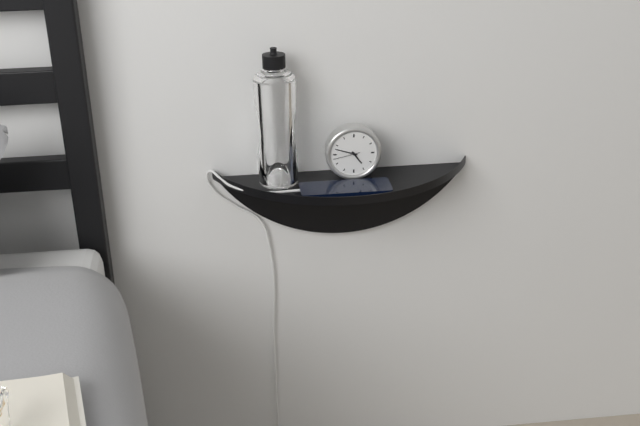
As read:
4.48
